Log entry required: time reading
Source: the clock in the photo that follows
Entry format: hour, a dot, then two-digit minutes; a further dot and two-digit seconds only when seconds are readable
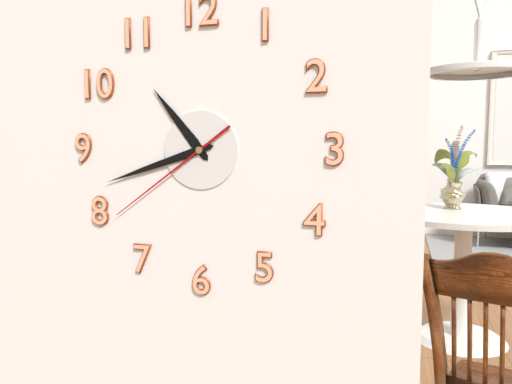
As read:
10.42.39
